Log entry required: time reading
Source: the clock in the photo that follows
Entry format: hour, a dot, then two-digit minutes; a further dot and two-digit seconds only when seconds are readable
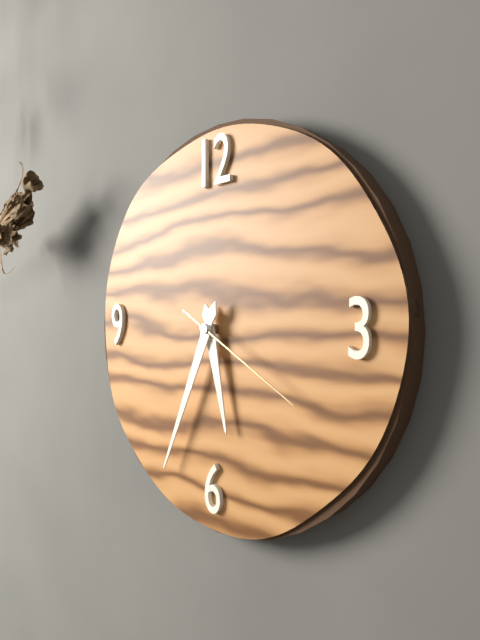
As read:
5.34.20
